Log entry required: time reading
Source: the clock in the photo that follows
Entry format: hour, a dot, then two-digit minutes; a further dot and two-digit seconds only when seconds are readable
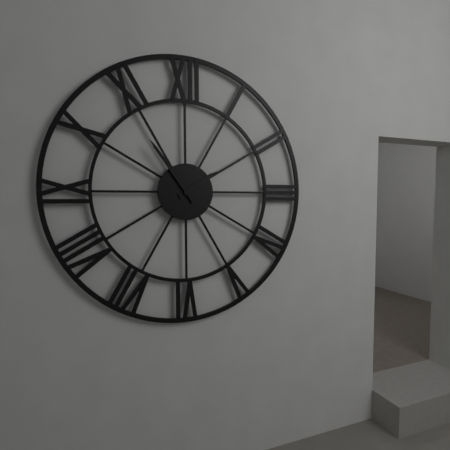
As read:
1.54
